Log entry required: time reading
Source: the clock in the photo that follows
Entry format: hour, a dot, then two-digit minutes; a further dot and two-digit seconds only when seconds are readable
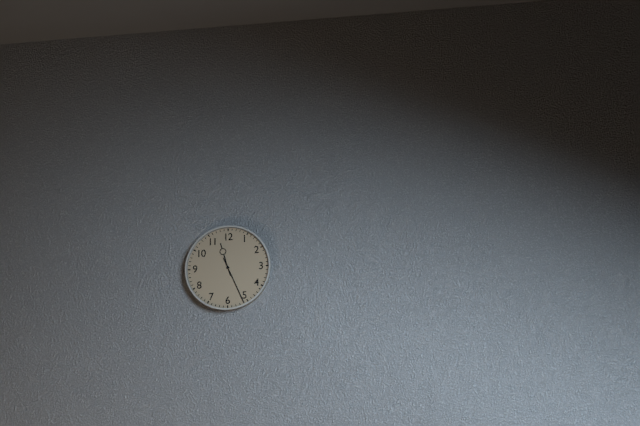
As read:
11.26
